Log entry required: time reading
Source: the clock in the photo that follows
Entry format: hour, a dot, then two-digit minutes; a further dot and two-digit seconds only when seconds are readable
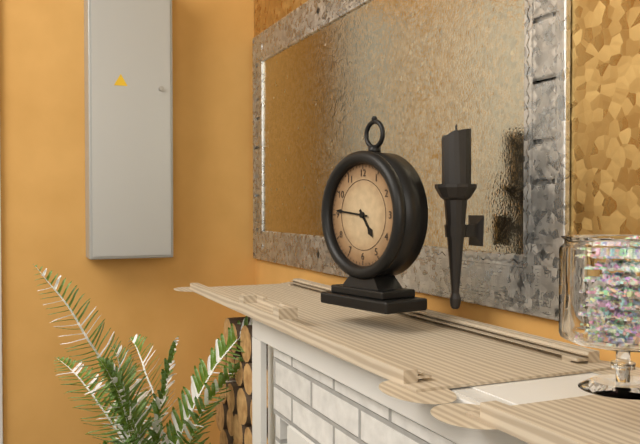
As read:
4.46
